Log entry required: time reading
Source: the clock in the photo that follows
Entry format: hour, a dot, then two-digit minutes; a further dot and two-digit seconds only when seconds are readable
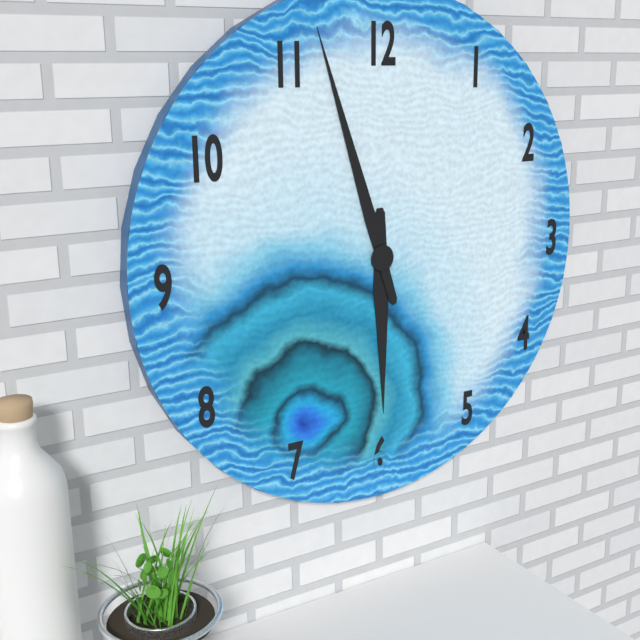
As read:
5.57
